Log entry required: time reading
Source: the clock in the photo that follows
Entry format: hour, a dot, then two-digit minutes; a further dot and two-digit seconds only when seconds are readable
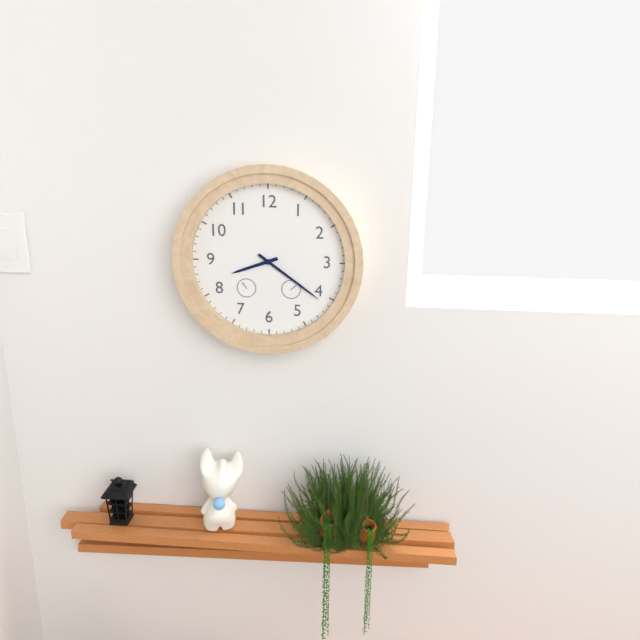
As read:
8.21
